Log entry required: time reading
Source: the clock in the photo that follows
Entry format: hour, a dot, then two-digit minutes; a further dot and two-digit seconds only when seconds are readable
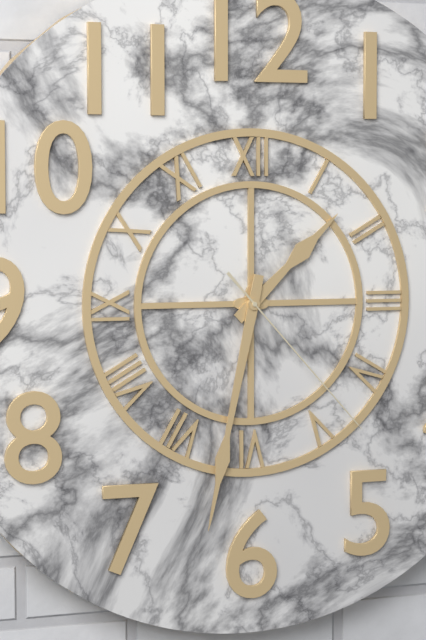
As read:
1.32.23
